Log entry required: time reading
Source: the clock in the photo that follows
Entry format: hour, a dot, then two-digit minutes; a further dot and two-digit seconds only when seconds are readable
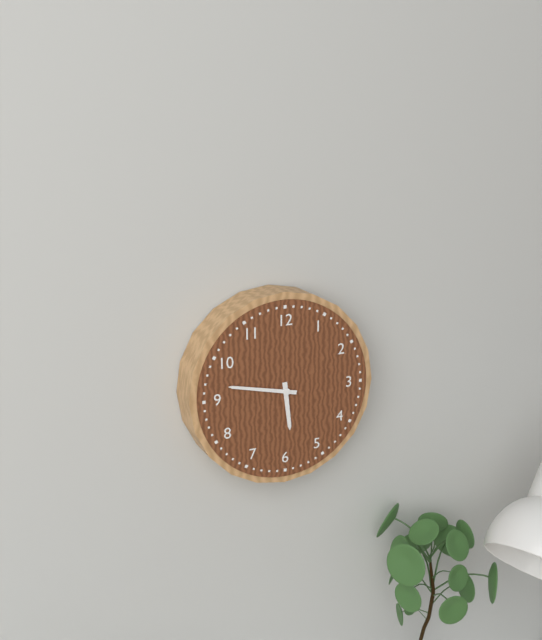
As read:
5.47
